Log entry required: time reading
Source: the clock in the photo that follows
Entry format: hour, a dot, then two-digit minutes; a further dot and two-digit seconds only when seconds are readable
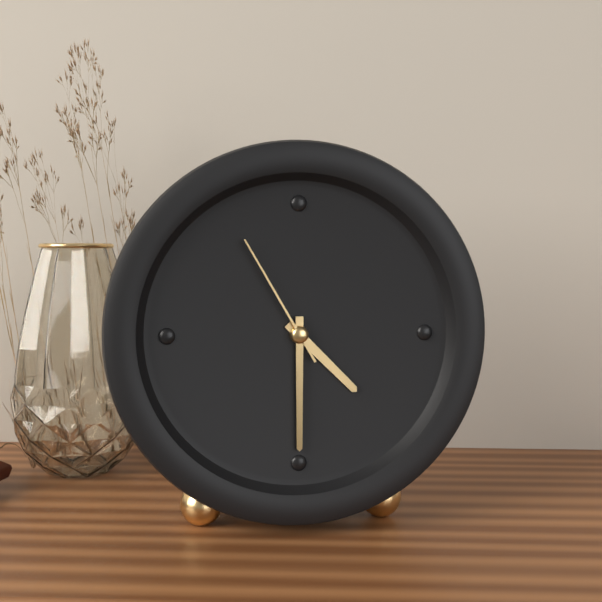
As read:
4.30.55
